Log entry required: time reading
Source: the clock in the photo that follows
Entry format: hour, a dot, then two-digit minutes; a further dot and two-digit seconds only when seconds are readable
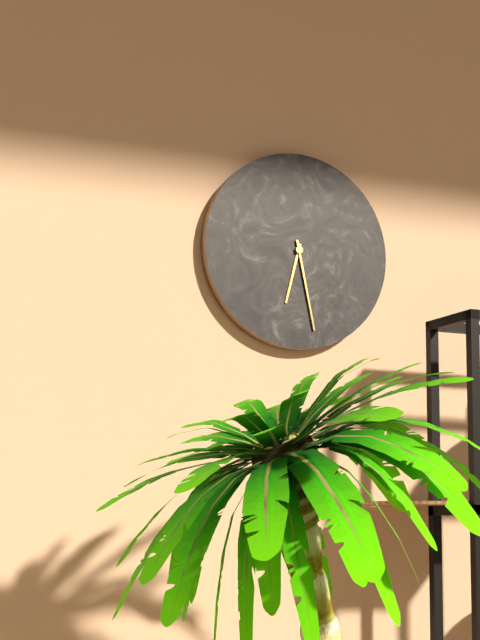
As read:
6.28
